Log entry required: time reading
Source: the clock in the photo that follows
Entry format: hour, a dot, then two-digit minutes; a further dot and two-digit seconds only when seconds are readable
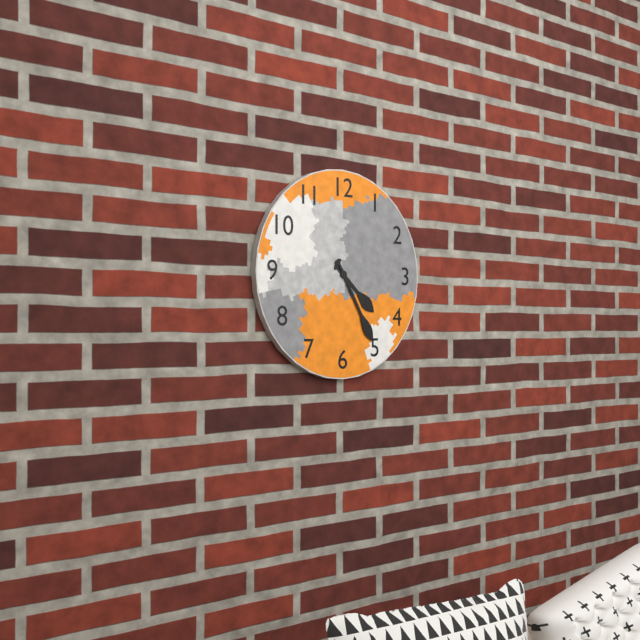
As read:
4.25
